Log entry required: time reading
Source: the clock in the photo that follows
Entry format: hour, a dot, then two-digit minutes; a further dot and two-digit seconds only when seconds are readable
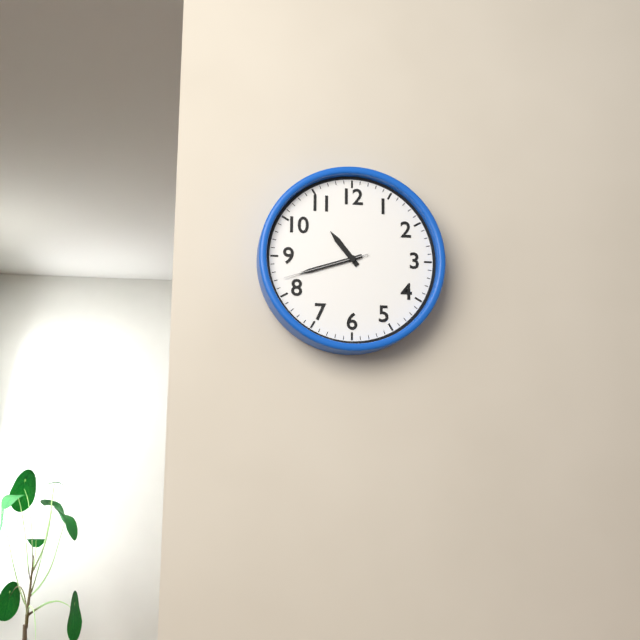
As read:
10.42.42
